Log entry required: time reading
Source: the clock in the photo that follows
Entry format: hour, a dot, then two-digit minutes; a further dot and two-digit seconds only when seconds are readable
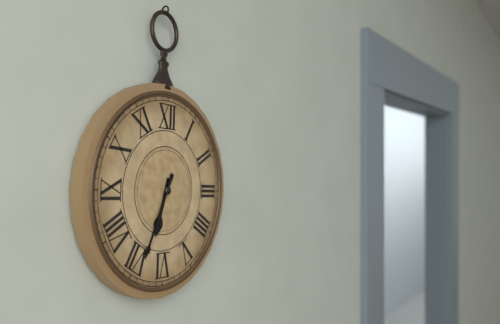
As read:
6.34
